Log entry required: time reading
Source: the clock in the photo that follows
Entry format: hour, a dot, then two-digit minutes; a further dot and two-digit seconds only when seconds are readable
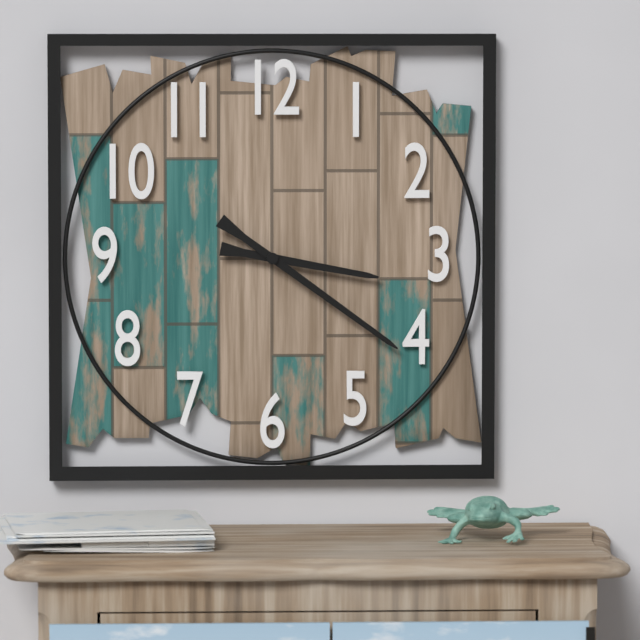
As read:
3.21
